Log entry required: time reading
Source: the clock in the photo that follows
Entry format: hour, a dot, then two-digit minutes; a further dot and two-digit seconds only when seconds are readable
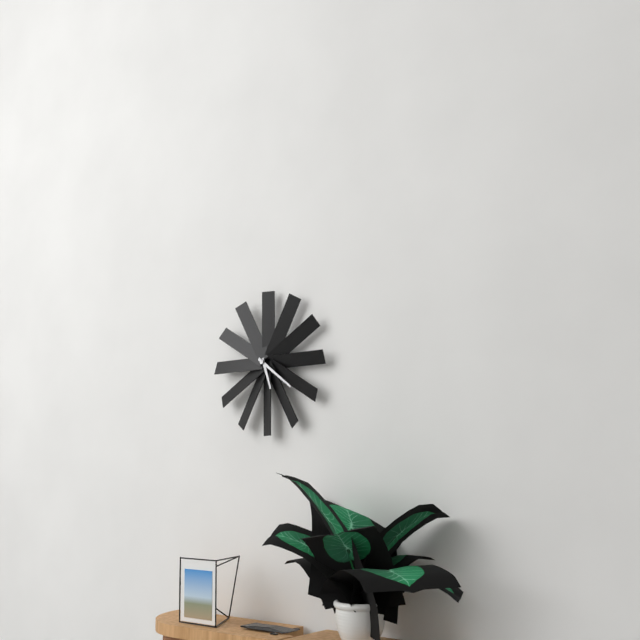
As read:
5.21
